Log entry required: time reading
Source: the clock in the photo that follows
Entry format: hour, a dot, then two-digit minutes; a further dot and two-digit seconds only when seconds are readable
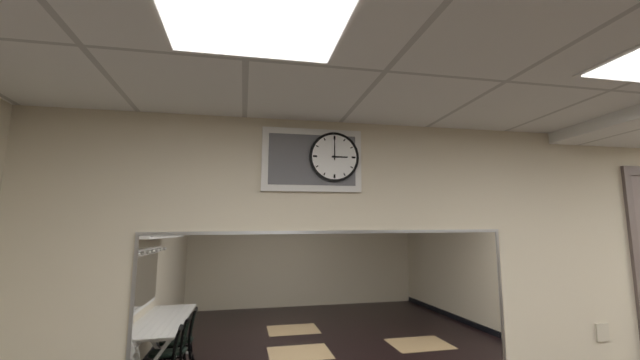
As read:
3.00
